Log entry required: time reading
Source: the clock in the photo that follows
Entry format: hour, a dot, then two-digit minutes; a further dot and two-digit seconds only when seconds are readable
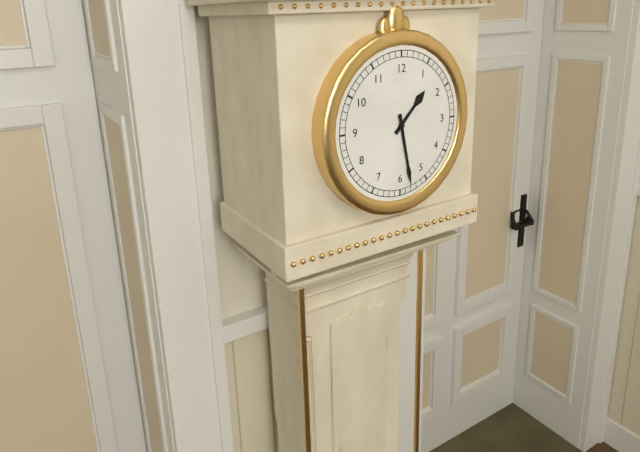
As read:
1.28
